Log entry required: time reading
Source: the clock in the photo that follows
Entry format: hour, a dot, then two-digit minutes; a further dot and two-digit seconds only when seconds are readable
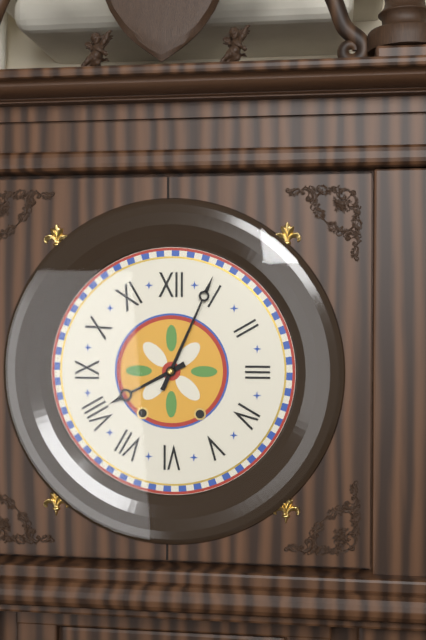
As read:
8.04
